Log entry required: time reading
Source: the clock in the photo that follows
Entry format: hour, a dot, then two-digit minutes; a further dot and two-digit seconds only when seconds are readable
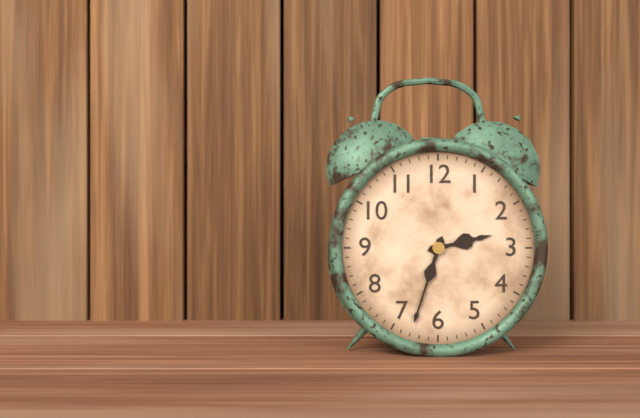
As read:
2.33
